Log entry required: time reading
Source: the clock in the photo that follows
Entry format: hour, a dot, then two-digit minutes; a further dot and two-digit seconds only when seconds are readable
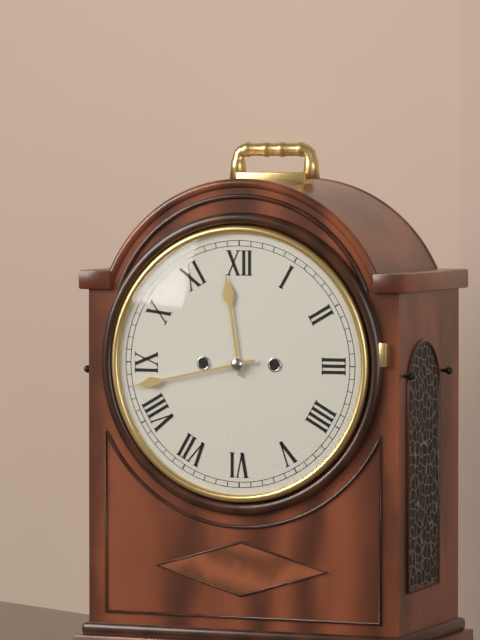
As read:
11.43
